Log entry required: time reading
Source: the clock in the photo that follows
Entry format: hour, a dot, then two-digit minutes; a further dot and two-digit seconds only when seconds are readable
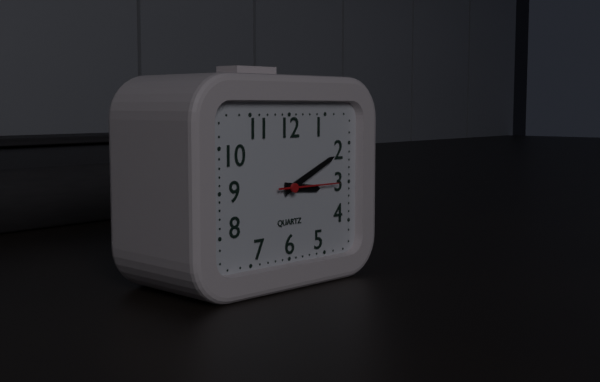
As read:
3.11.15
